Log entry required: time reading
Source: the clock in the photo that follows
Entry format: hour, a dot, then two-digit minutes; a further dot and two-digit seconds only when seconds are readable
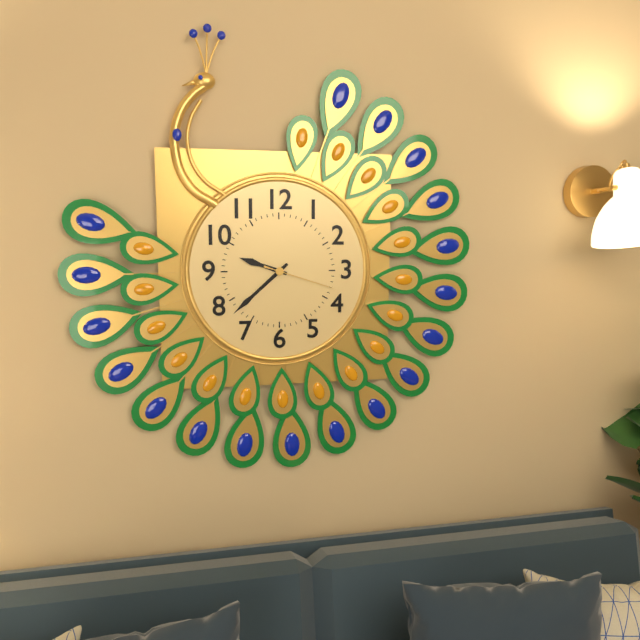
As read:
9.38.18
